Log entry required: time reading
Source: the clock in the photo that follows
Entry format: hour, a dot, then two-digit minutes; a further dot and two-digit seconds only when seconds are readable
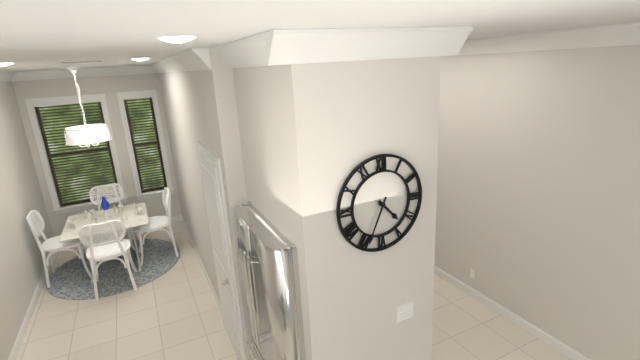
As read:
4.34
